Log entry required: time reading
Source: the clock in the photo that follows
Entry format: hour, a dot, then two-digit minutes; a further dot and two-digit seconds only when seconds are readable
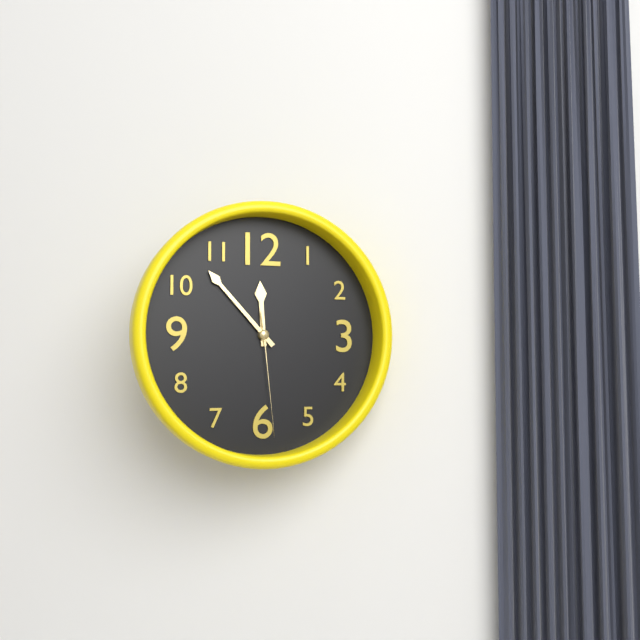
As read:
11.53.29
